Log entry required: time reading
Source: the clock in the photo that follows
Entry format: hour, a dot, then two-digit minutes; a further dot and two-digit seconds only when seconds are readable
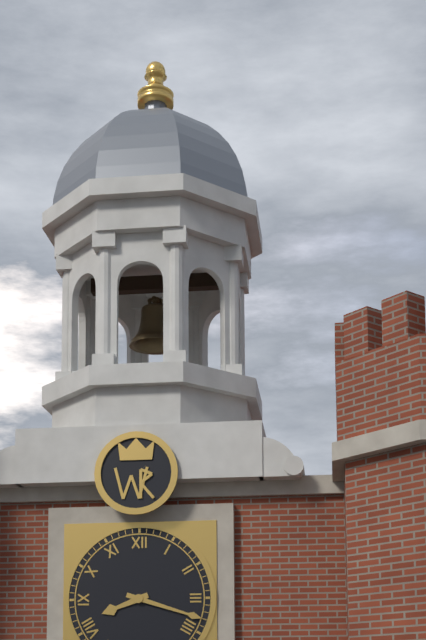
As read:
8.18
